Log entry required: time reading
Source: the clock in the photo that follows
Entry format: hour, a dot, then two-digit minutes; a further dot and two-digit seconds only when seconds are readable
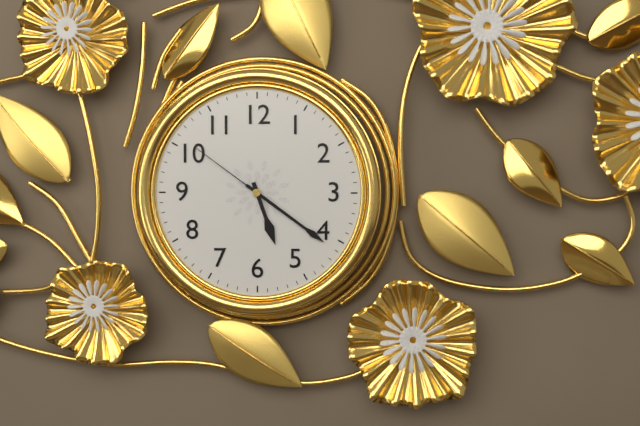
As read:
5.21.51
